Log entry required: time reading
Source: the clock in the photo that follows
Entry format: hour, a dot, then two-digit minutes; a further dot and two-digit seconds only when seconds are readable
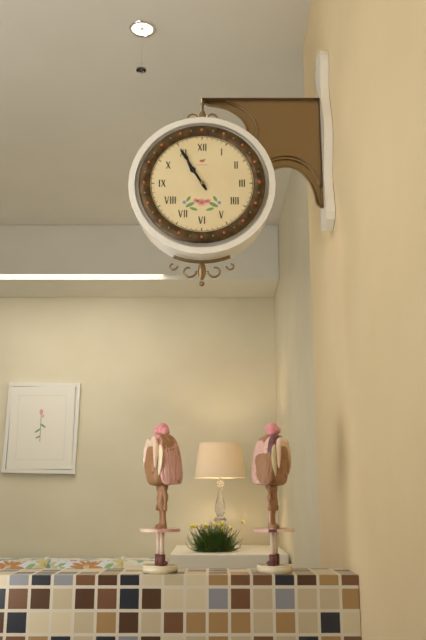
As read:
10.55
